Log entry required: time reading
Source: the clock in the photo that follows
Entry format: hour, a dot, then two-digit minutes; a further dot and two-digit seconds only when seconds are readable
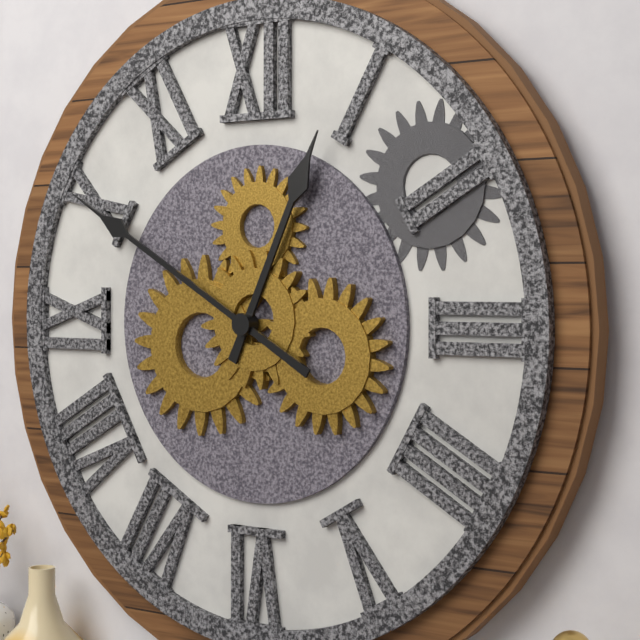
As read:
12.50
